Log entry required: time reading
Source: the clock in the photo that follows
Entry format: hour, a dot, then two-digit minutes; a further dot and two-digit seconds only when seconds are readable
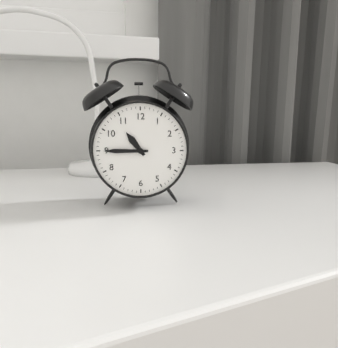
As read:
10.45
